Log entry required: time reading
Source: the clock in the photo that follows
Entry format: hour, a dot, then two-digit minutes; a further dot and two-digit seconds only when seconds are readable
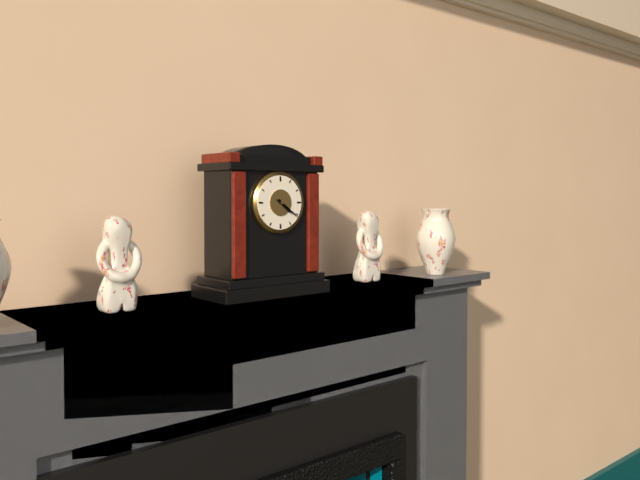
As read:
4.21
